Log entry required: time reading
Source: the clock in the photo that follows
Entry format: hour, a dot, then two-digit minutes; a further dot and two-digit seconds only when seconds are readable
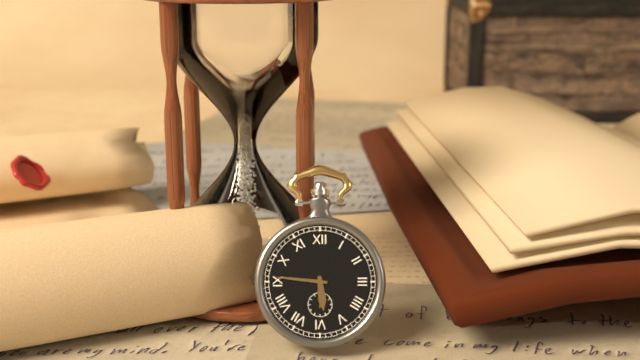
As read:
5.46
